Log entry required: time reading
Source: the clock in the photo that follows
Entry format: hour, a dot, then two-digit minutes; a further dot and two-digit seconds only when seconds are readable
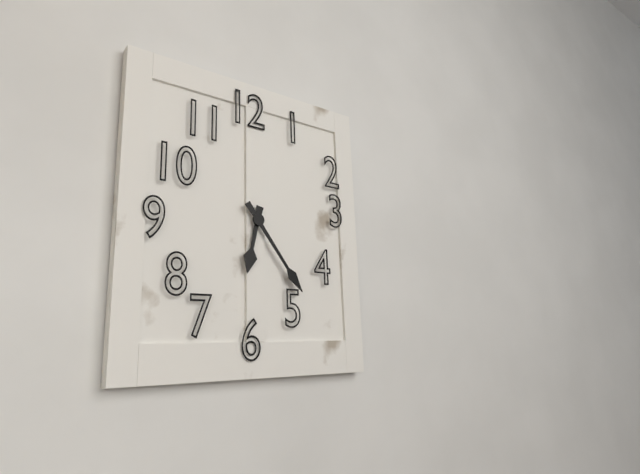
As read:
6.24
